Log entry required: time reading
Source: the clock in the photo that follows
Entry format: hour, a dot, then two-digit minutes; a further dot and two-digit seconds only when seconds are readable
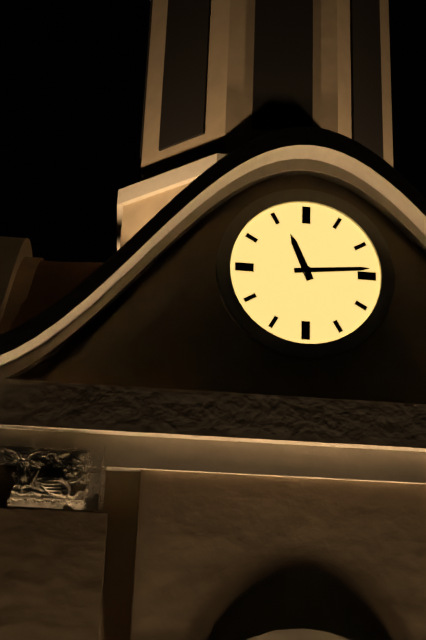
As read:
11.14
